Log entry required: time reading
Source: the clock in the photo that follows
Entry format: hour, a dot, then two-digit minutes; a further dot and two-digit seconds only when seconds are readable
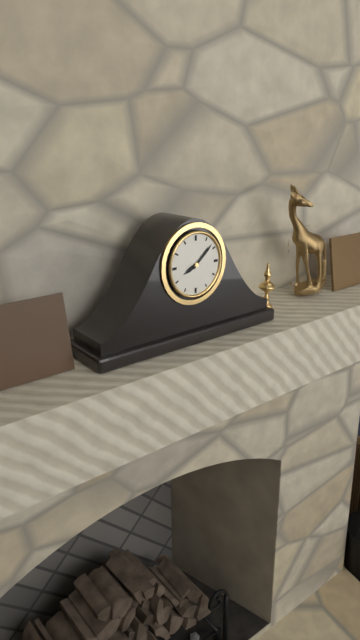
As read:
8.08
